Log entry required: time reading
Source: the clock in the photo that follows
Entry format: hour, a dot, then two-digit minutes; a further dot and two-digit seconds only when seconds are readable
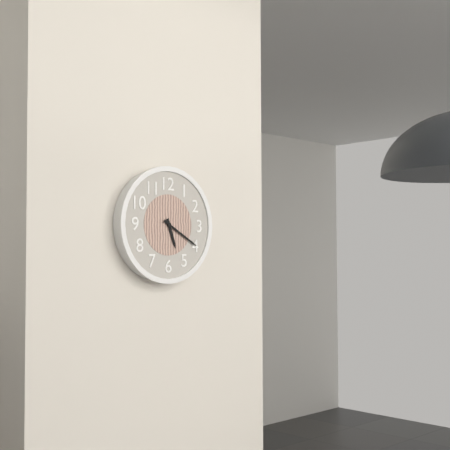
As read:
5.20
